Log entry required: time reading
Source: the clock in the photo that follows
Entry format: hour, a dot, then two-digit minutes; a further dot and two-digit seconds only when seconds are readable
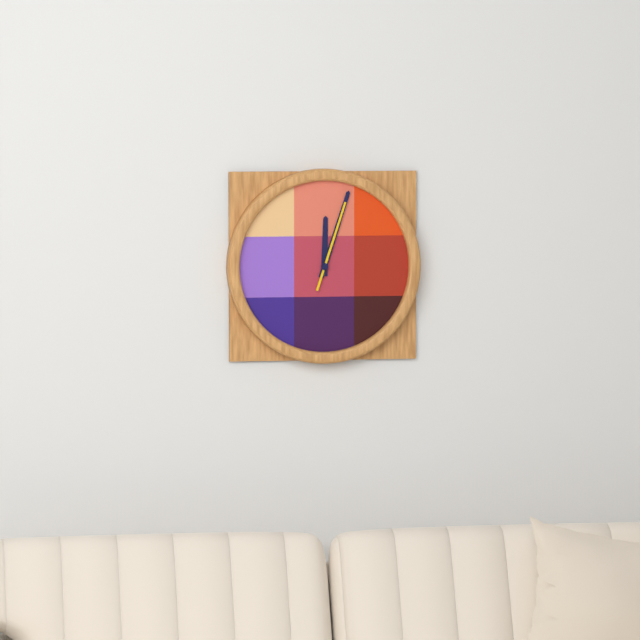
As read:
12.03.03
